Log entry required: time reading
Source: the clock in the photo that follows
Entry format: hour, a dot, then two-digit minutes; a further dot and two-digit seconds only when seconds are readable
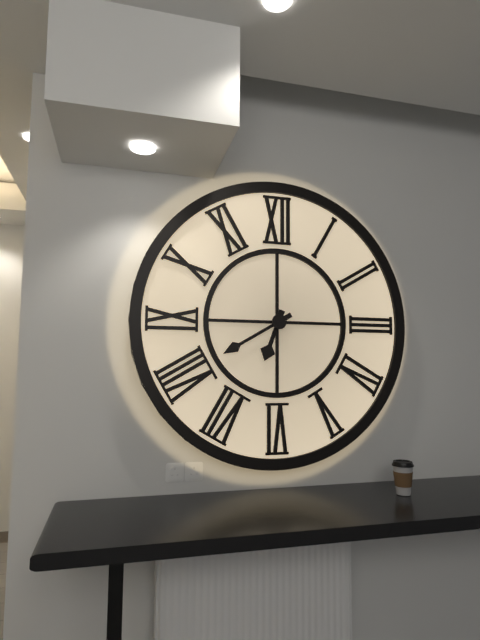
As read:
6.40
